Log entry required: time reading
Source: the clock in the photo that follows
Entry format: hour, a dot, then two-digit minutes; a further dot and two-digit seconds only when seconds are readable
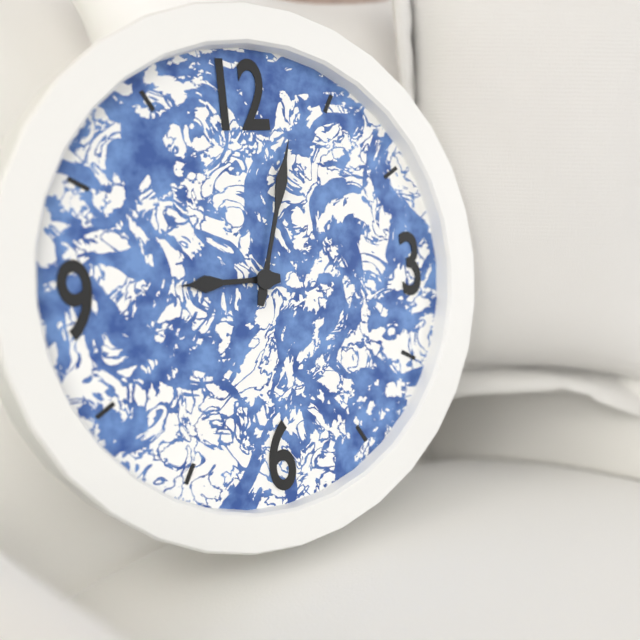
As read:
9.03
